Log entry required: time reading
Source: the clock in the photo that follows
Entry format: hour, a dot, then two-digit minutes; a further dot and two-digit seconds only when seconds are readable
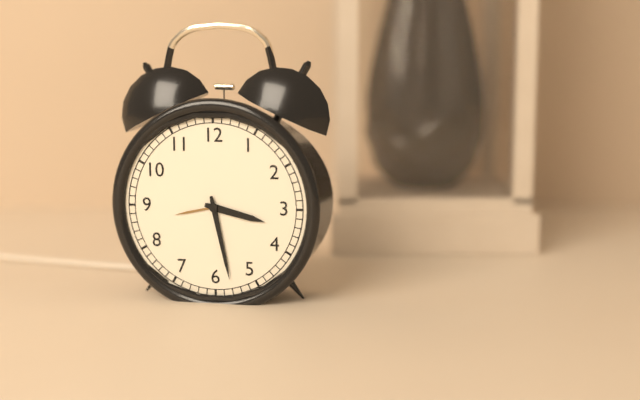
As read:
3.28
